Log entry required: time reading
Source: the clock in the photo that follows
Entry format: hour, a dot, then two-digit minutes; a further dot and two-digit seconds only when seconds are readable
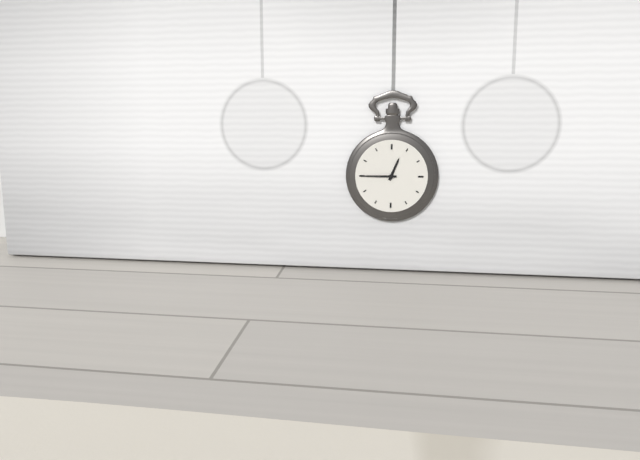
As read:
12.45
